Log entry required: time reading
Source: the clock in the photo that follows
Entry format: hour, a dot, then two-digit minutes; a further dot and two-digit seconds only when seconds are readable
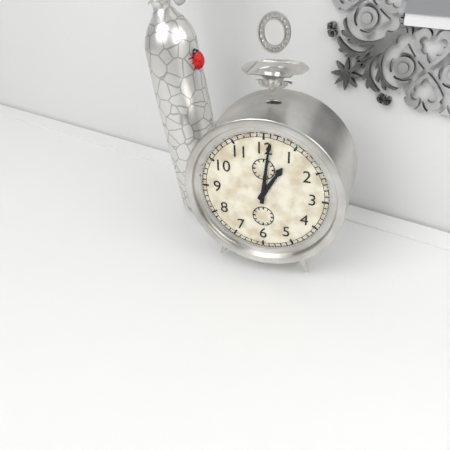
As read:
1.01
